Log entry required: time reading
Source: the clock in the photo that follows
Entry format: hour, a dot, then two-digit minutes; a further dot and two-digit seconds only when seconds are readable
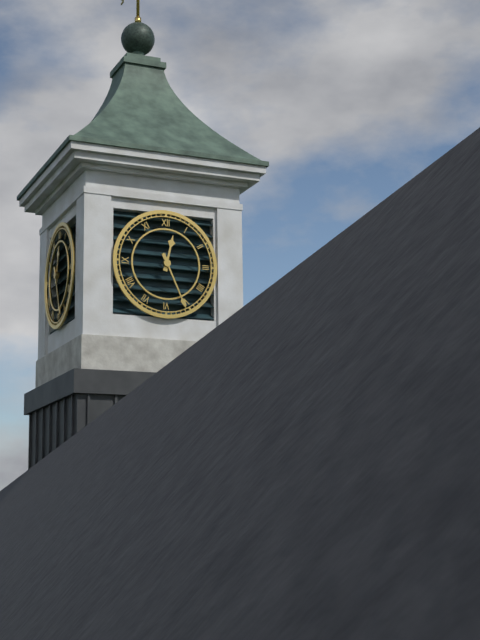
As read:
12.26
